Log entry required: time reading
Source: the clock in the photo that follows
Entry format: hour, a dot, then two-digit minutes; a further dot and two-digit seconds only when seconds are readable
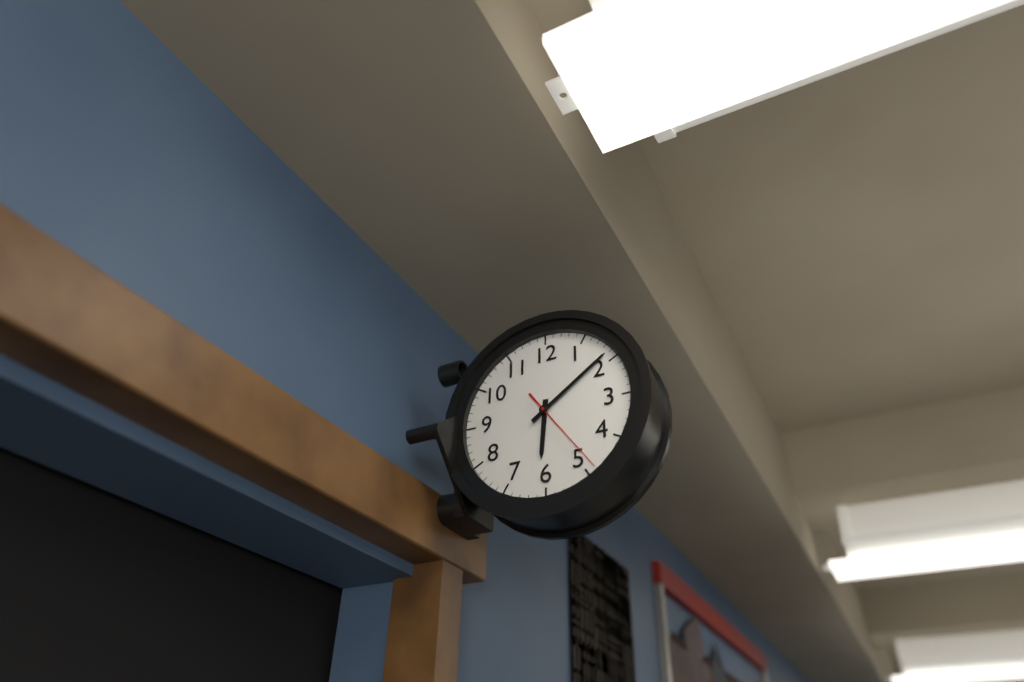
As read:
6.09.24
